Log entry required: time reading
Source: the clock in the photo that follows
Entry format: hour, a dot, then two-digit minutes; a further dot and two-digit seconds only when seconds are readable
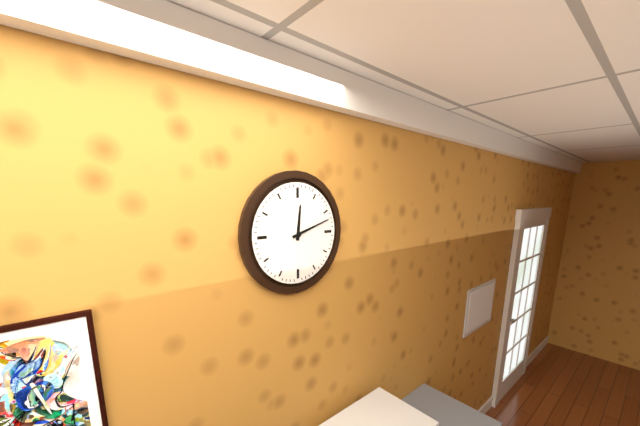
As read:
12.12
